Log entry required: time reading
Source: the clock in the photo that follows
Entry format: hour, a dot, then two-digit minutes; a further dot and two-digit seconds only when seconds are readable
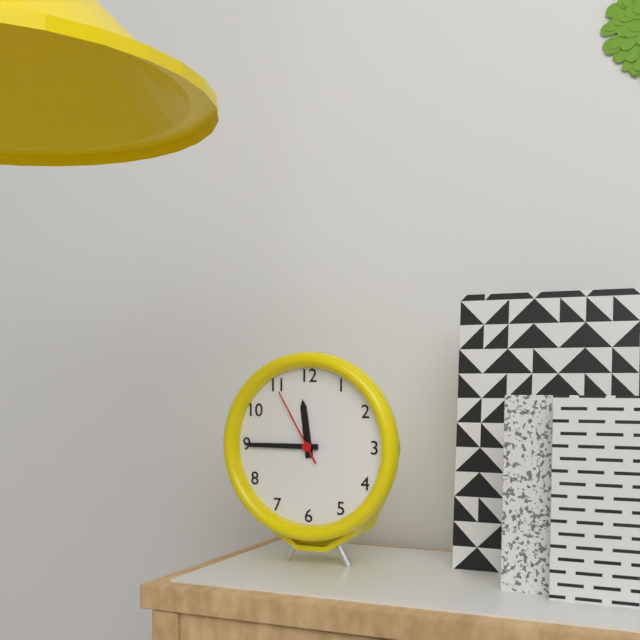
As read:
11.45.55
